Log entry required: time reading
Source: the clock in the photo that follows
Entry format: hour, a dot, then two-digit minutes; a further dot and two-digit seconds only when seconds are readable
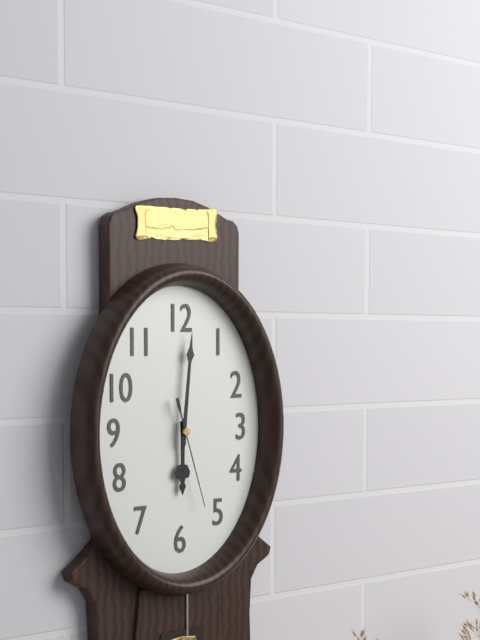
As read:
6.01.27
